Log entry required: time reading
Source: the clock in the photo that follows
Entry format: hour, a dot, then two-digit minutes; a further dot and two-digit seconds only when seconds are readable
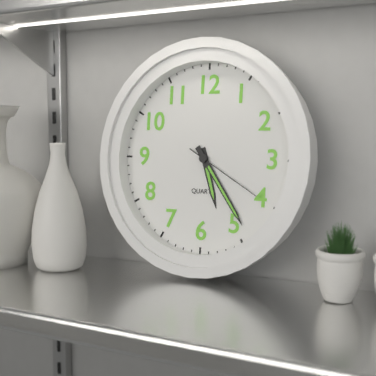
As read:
5.24.20
